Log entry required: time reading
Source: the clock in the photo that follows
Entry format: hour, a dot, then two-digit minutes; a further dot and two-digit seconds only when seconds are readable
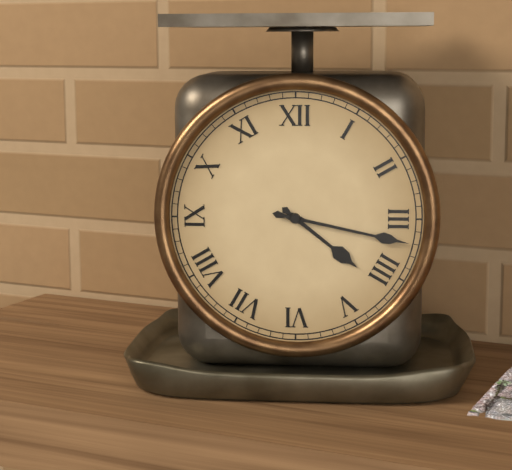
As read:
4.17
